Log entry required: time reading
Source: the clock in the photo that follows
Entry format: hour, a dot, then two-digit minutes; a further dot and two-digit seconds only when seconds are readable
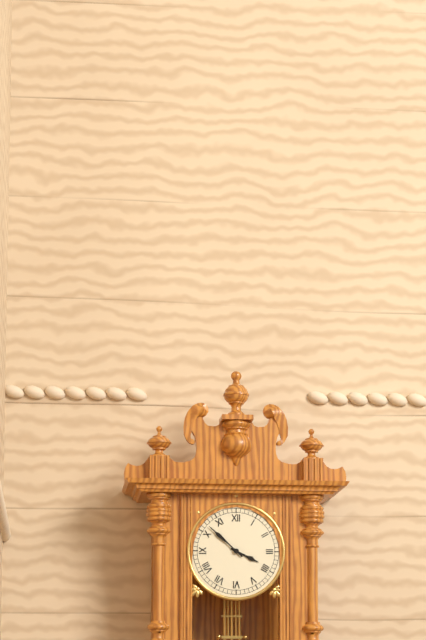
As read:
3.52
